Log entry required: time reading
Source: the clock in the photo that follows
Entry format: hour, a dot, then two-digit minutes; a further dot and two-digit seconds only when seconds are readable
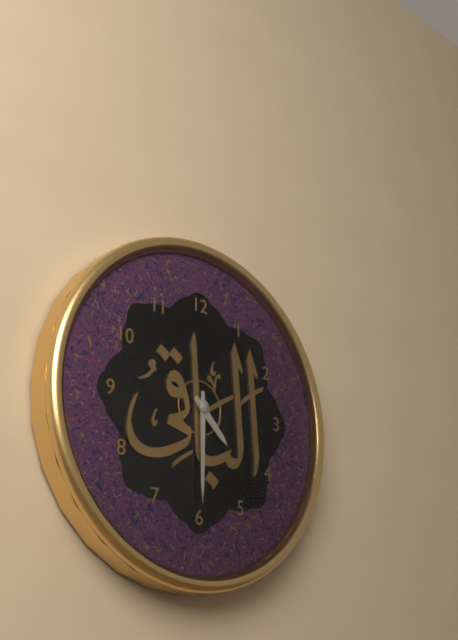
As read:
4.30
